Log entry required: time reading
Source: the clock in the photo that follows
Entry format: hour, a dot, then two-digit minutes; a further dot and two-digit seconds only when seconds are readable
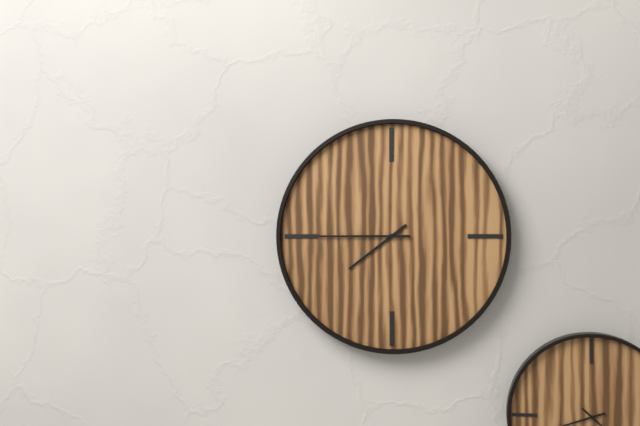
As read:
7.45
